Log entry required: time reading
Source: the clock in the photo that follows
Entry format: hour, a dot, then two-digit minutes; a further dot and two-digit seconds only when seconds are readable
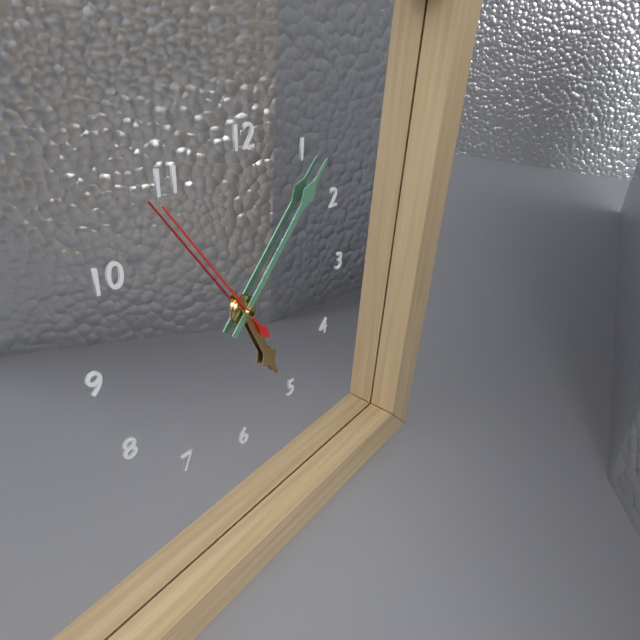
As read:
5.07.54
